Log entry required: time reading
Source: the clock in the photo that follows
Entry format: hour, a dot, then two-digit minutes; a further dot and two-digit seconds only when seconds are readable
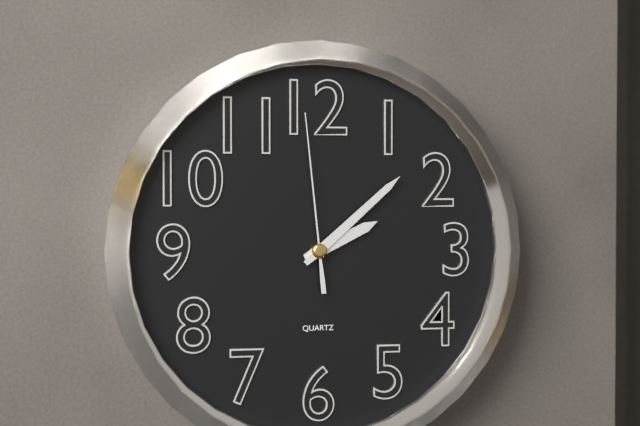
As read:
2.08.59
